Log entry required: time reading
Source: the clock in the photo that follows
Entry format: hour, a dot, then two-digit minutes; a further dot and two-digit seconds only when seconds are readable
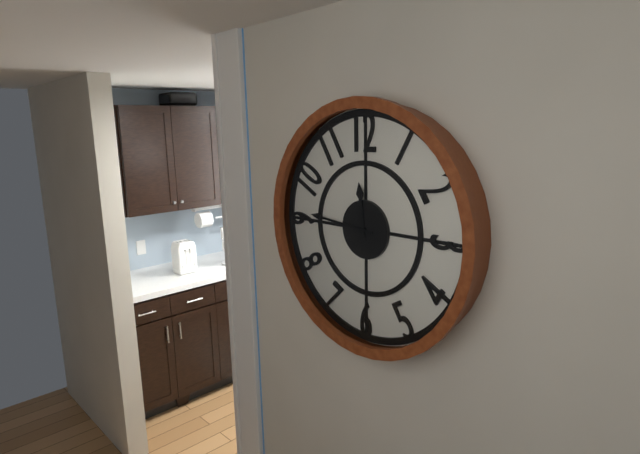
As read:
11.46
